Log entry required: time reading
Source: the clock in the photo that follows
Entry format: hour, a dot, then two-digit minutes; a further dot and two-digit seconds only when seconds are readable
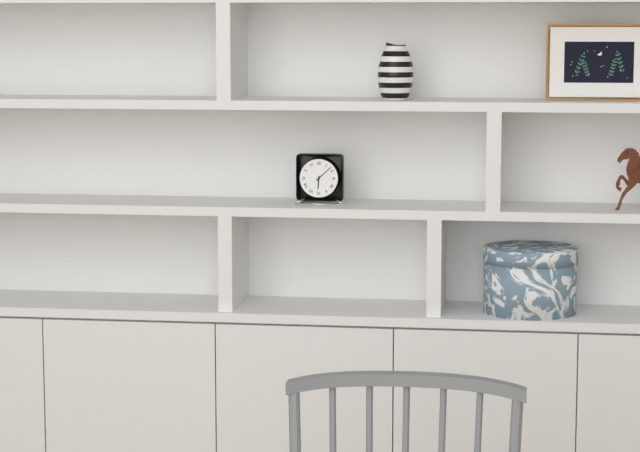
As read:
6.08
